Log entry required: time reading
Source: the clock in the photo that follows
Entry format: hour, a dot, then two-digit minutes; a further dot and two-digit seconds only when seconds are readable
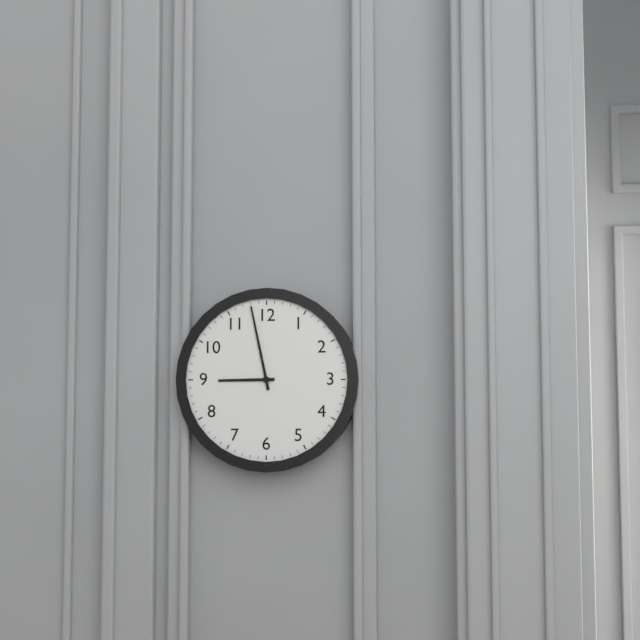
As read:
8.58
